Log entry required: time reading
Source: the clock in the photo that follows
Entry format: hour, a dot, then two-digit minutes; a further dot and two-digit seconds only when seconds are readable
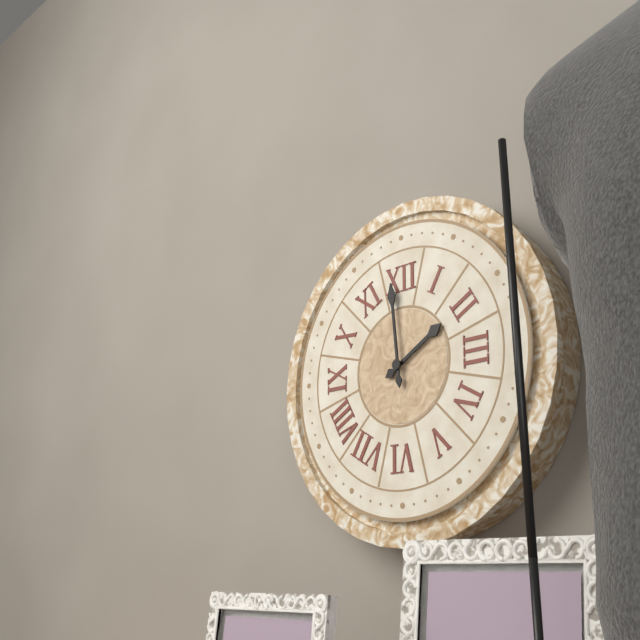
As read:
1.59
